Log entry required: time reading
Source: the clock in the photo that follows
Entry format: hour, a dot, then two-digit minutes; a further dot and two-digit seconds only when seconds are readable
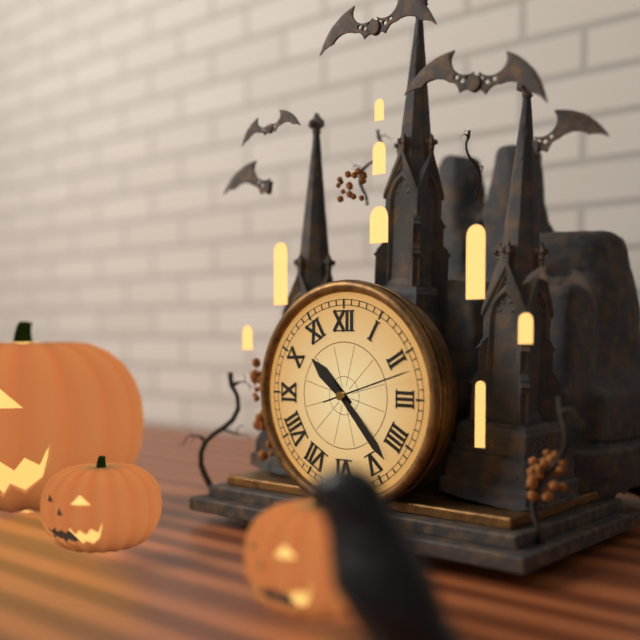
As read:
10.23.12
